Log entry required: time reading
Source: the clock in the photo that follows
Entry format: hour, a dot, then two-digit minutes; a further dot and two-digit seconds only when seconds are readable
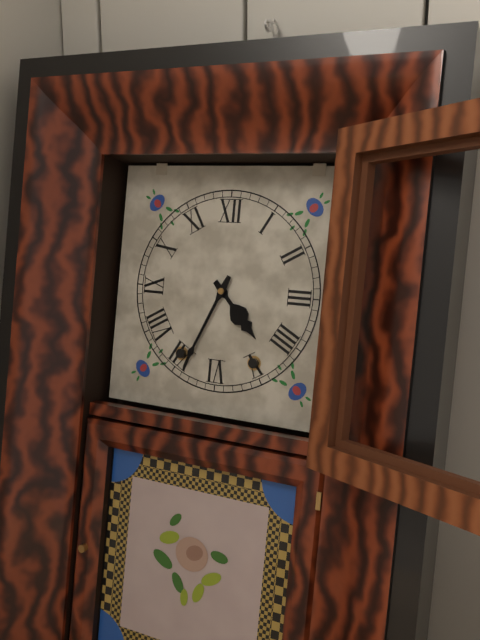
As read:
4.34
